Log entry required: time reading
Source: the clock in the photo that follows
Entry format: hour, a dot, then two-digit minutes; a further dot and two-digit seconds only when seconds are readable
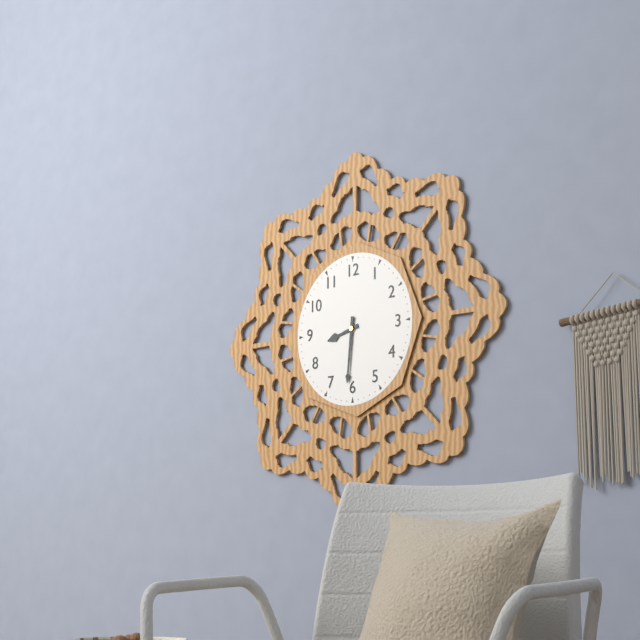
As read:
8.31
